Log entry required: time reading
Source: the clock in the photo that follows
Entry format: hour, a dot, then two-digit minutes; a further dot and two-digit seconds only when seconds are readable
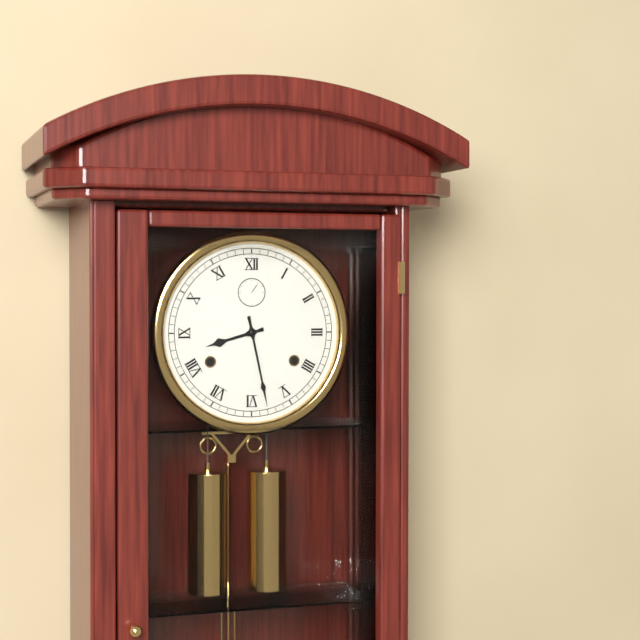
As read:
8.28
